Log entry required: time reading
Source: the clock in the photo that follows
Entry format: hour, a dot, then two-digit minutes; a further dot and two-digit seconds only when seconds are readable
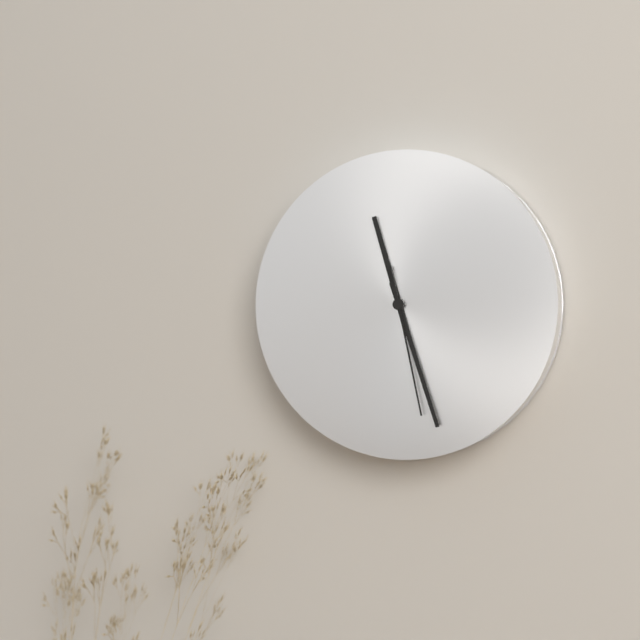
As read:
11.27.28
